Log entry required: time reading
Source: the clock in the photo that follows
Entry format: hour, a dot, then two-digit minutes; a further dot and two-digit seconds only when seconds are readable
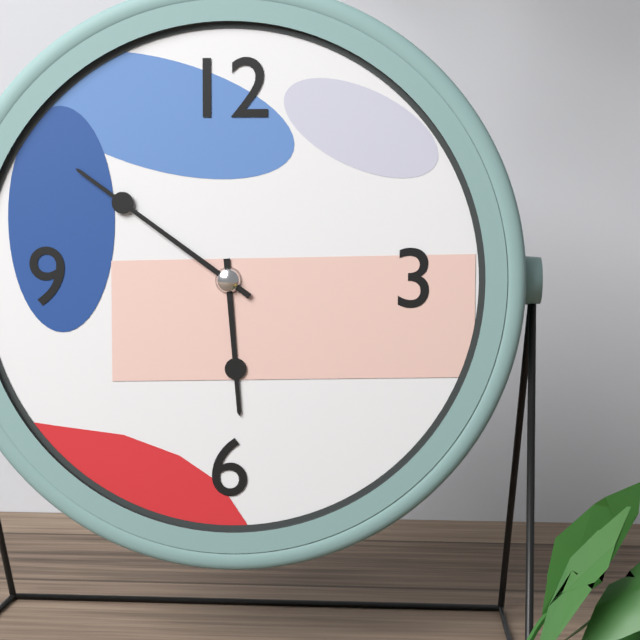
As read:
5.51
